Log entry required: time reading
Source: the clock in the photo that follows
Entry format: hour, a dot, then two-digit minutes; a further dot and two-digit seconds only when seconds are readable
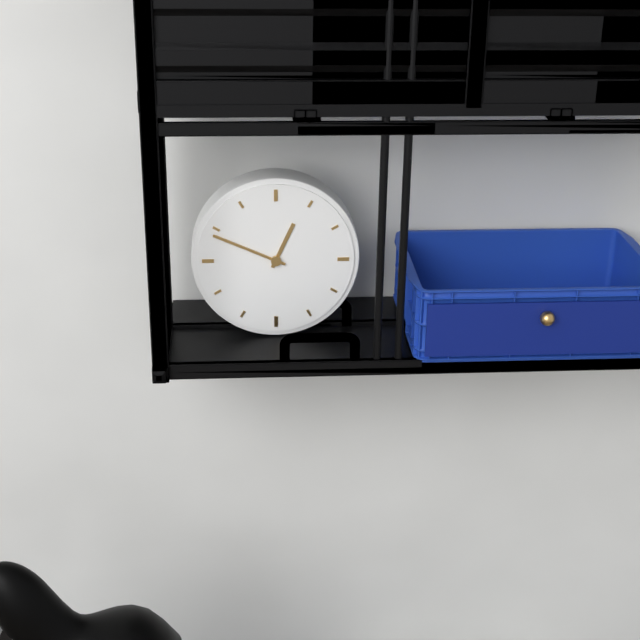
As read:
12.49
